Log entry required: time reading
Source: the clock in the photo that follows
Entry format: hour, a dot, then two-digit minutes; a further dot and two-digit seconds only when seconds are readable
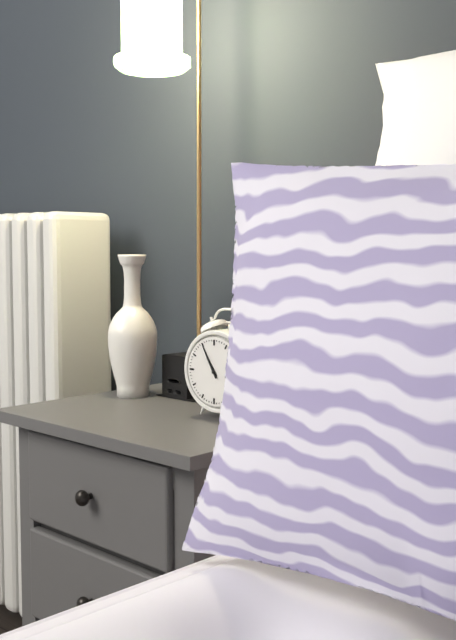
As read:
10.55
